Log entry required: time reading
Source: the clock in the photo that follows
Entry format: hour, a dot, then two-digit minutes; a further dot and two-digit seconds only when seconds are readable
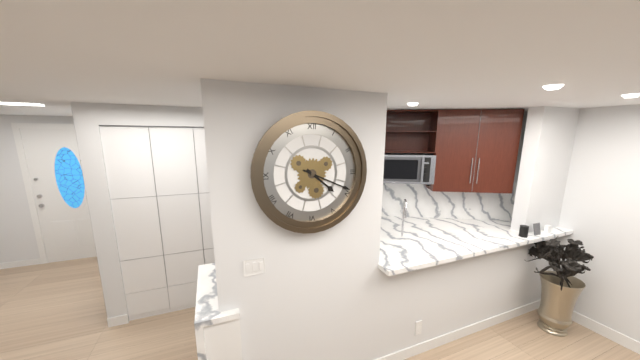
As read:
4.19
